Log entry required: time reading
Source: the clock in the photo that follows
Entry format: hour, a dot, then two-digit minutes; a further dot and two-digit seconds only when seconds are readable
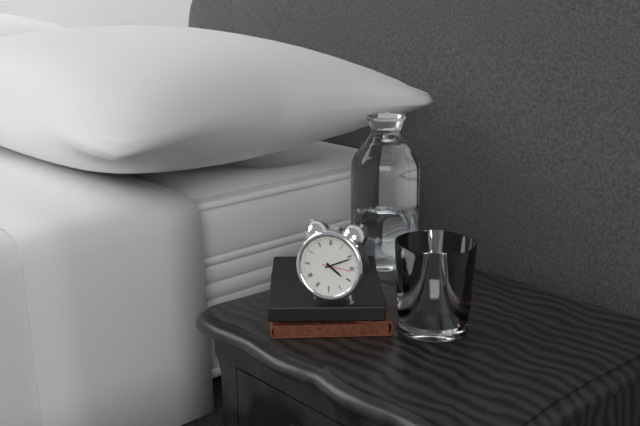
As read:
4.11
